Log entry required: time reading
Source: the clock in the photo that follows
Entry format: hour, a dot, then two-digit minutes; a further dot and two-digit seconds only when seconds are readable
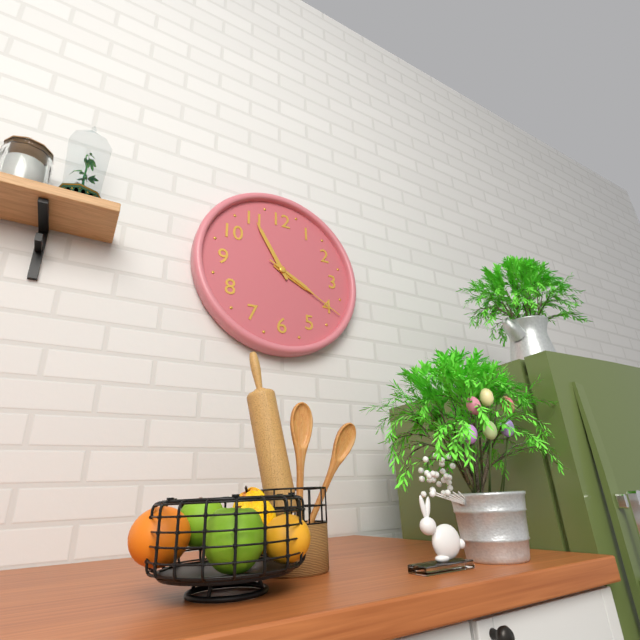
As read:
3.55.20
